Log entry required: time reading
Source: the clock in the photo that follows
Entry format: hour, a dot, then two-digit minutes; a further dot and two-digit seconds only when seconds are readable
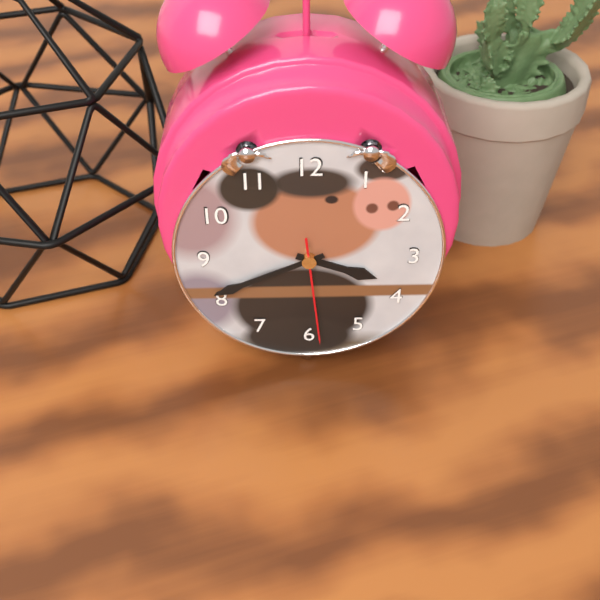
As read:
3.41.29
